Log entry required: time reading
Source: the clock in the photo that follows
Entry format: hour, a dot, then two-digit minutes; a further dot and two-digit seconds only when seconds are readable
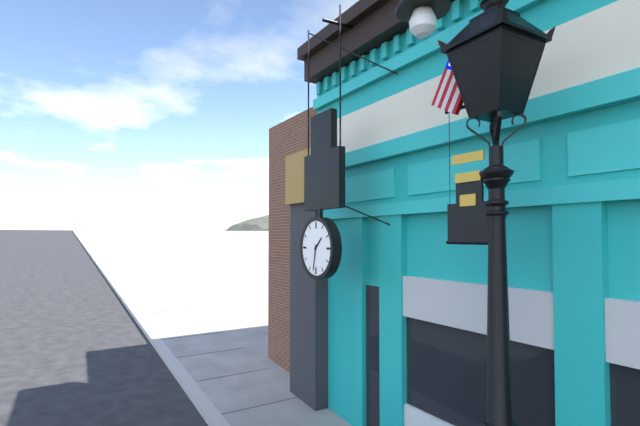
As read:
1.32
